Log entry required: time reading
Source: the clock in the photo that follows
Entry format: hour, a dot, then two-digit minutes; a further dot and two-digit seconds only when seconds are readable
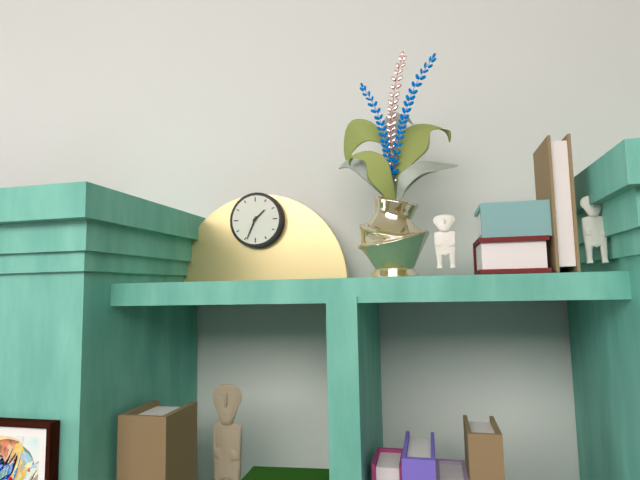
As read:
1.34
